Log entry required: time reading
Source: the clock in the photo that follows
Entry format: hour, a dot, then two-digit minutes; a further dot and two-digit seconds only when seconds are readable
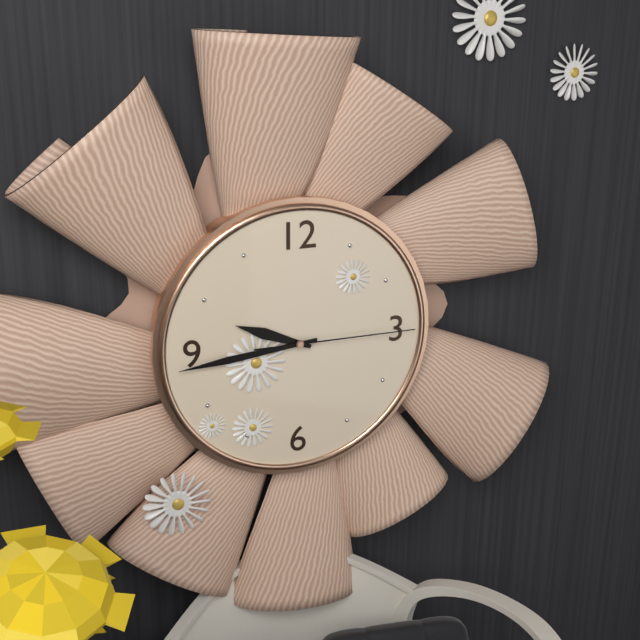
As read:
9.44.15
